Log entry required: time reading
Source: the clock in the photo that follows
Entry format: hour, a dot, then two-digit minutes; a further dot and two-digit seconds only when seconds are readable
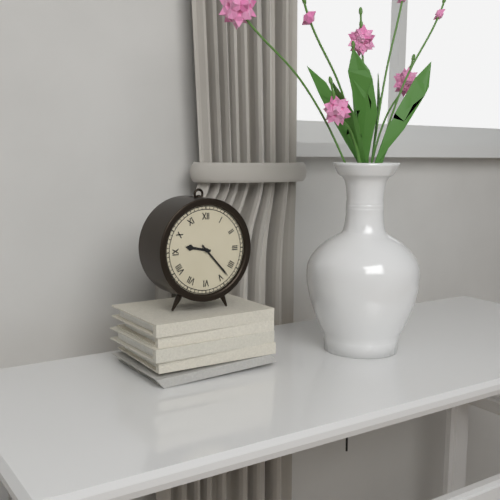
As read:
9.23
